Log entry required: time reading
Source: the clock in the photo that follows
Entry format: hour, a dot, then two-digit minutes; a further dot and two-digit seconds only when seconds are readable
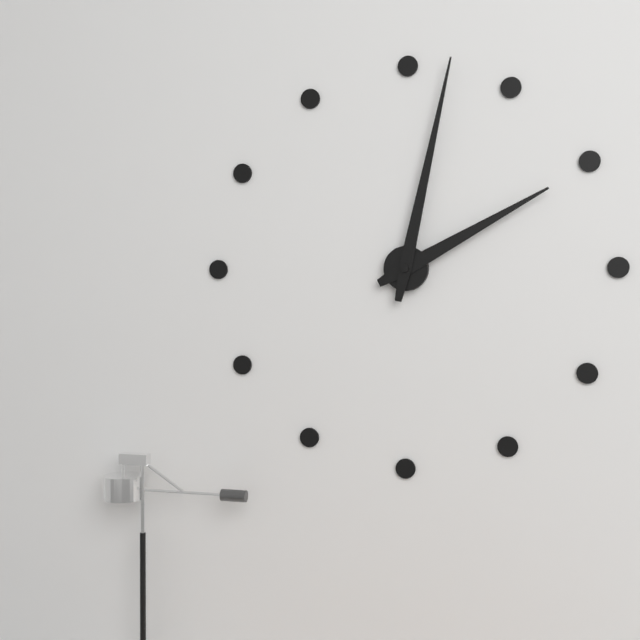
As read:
2.02
